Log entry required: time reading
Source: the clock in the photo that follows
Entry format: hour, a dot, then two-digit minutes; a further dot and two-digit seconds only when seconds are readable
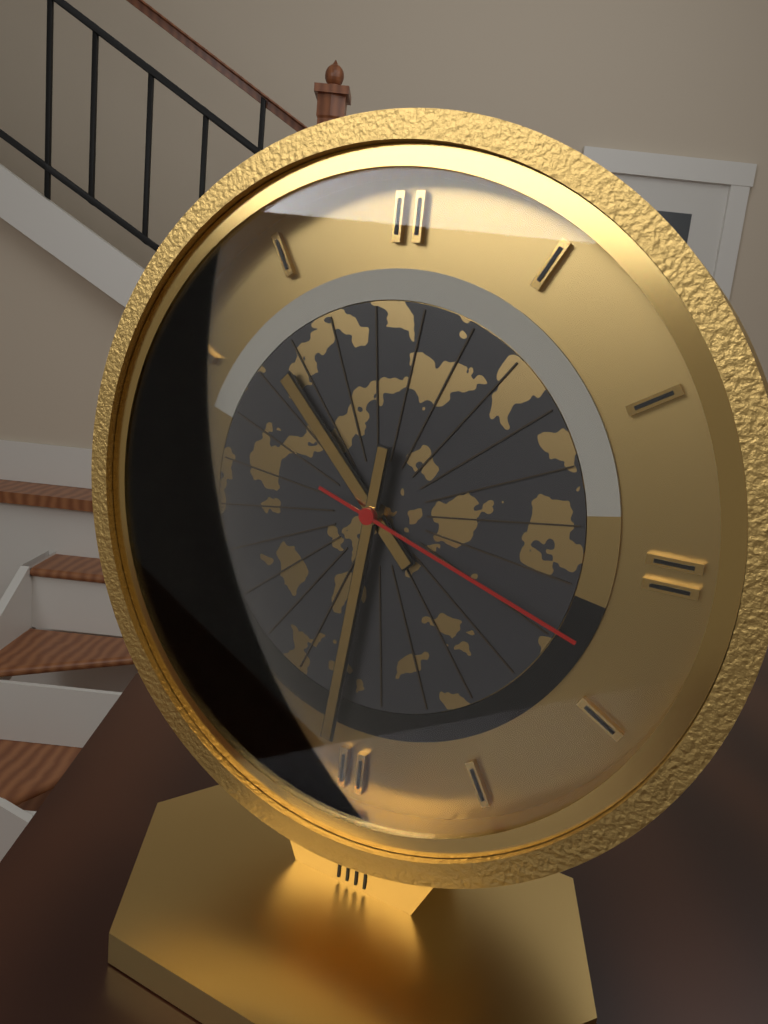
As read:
10.31.18
